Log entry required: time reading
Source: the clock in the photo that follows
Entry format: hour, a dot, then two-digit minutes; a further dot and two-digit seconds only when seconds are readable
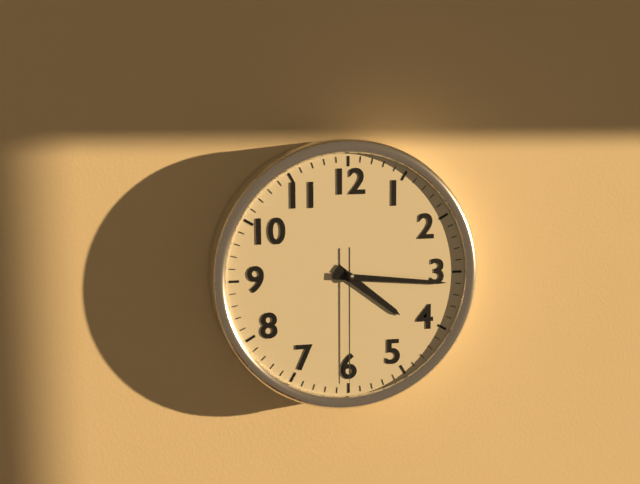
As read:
4.16.30
